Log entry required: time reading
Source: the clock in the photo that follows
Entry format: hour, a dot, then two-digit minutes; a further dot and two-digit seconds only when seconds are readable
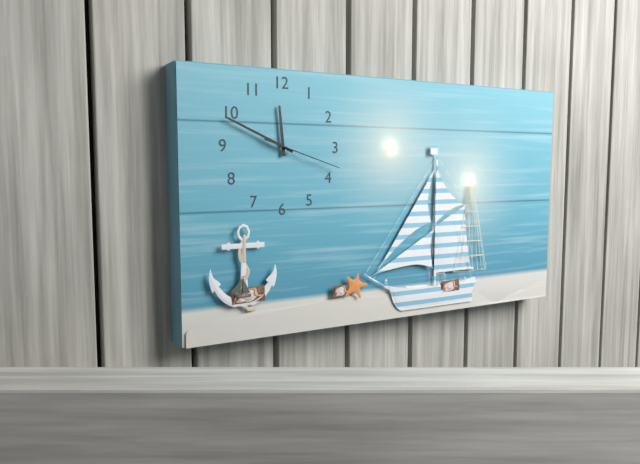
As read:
11.49.18
